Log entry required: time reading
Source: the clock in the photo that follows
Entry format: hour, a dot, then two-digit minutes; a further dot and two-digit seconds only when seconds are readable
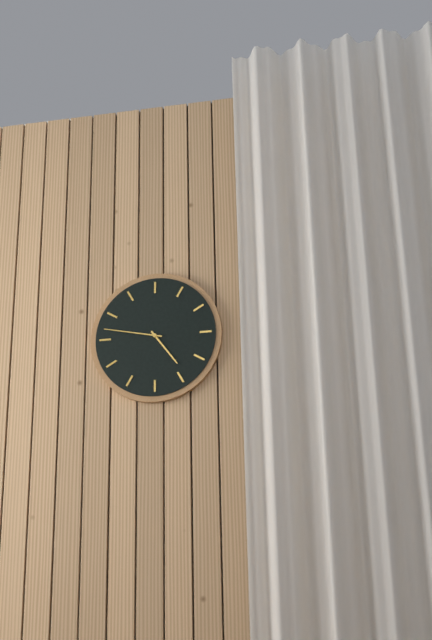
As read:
4.47
